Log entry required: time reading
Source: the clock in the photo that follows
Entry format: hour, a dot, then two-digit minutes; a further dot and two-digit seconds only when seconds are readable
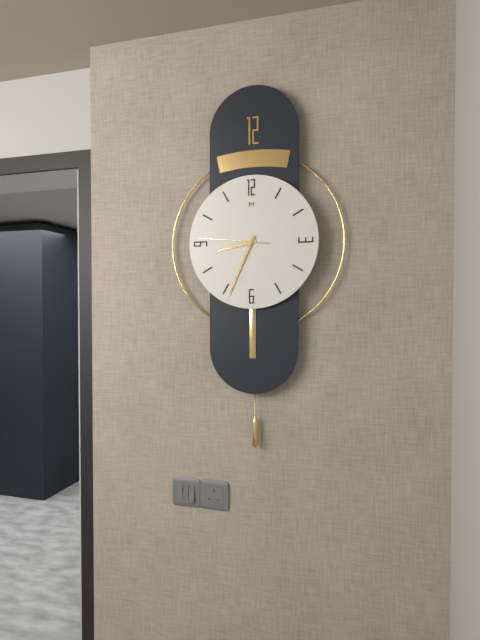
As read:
8.34.46
